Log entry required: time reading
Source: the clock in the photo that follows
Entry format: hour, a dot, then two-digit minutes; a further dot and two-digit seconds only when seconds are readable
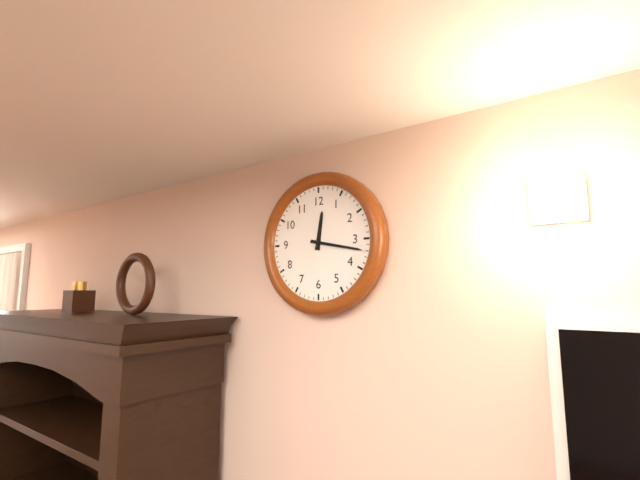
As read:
12.17
